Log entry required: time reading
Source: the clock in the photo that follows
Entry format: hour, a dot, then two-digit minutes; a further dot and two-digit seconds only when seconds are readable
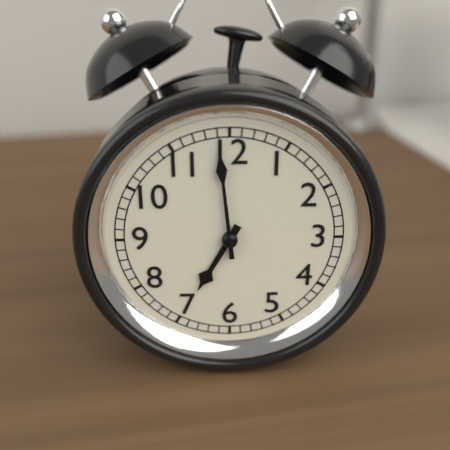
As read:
6.59
